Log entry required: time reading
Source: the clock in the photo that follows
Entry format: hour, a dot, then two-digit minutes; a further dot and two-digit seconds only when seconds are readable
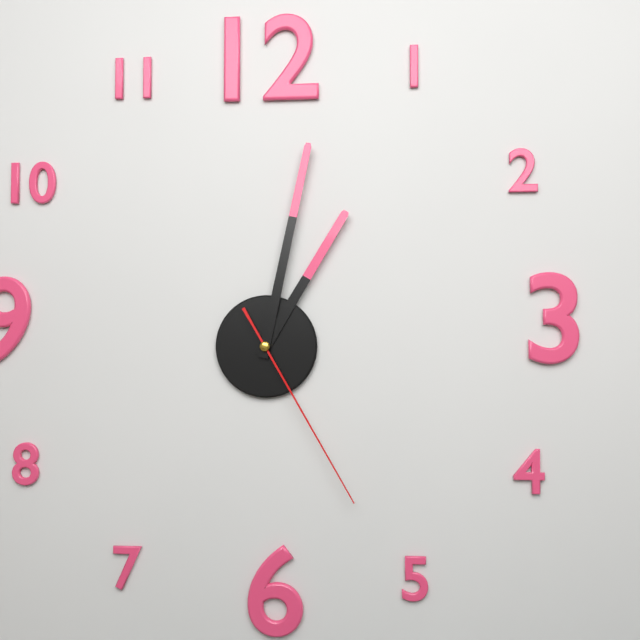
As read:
1.02.25
